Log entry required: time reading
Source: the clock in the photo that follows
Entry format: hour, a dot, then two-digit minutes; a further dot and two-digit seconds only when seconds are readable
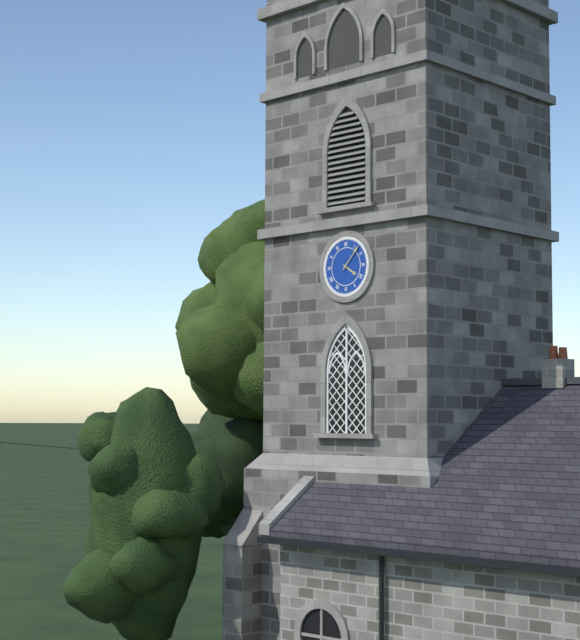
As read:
4.07
